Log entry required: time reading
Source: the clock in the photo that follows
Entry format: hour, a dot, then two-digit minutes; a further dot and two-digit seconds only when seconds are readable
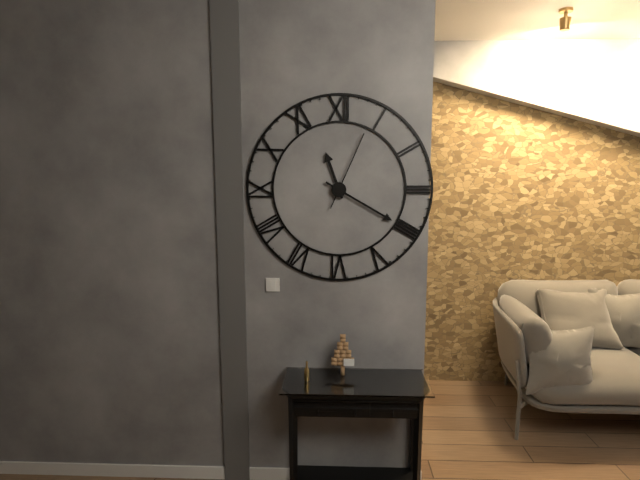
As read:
11.20.04
